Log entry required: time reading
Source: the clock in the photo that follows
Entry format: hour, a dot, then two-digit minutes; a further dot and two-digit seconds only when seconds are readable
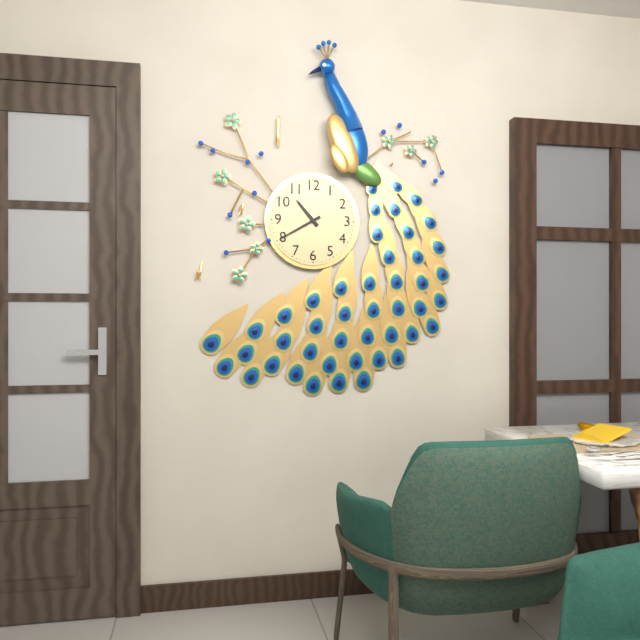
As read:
10.40
